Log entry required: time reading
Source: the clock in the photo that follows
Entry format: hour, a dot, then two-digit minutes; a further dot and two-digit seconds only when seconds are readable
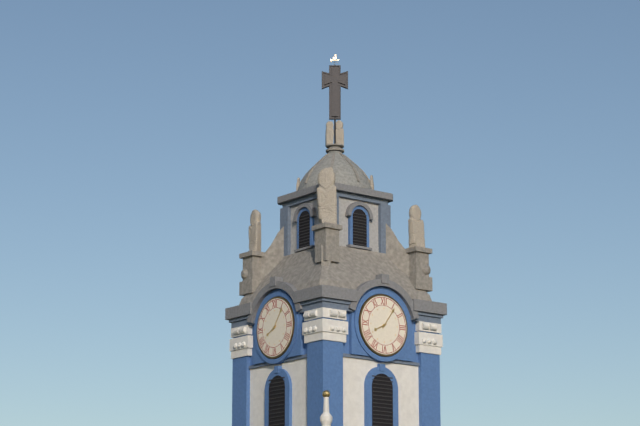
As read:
8.06
